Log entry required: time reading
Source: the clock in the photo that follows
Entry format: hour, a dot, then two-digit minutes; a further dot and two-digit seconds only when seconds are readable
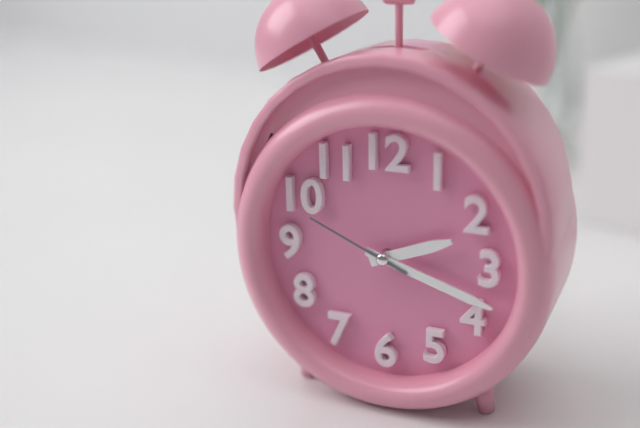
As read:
2.18.49
